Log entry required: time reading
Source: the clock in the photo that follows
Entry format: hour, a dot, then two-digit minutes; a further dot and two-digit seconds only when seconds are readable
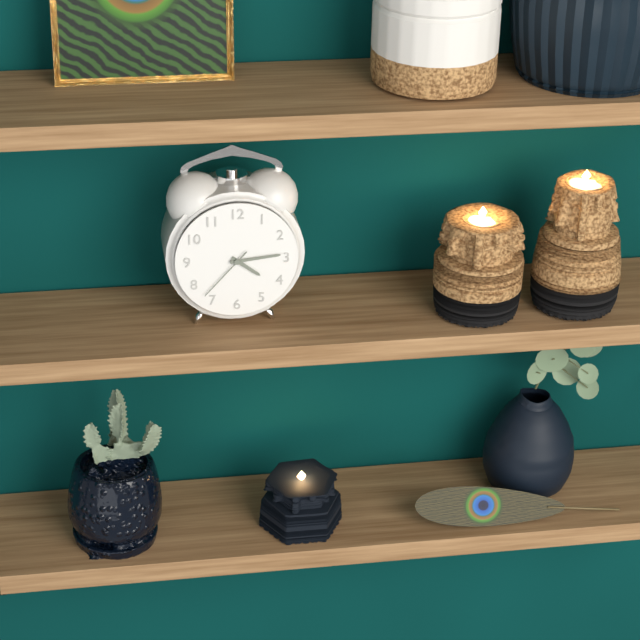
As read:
4.14.37
